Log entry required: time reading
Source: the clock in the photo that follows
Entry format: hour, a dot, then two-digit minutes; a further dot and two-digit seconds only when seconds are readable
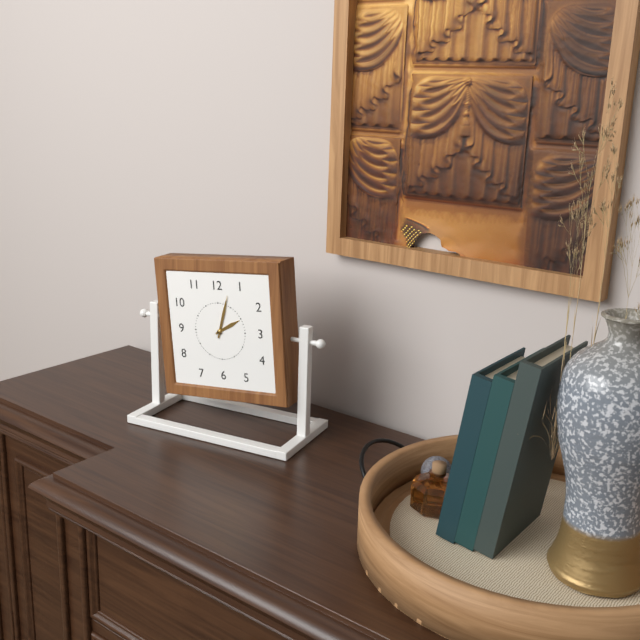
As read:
2.03
